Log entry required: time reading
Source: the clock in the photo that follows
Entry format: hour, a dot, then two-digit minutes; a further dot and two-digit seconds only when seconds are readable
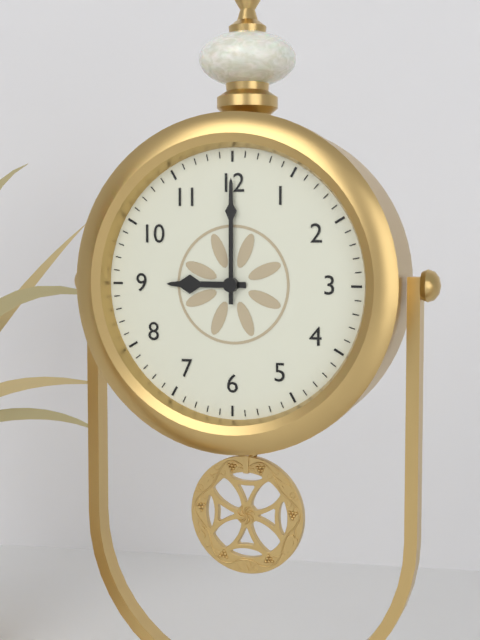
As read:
9.00
